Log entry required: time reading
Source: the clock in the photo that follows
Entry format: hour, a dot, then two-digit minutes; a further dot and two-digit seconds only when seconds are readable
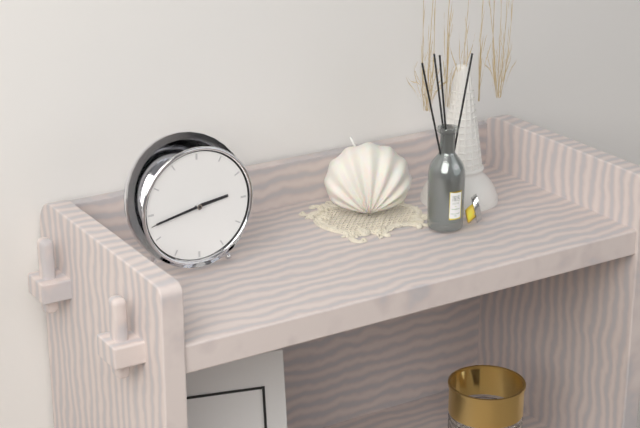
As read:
2.43.43
